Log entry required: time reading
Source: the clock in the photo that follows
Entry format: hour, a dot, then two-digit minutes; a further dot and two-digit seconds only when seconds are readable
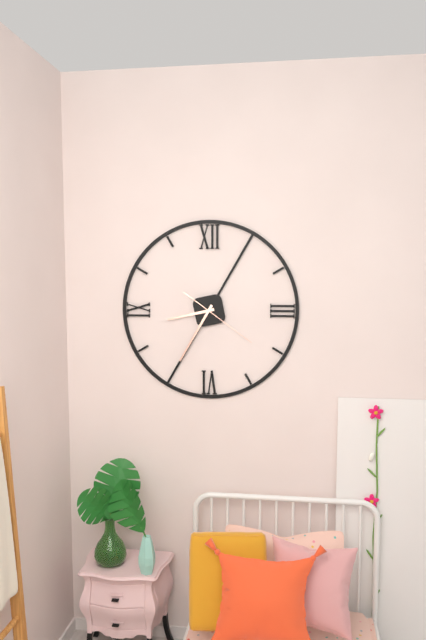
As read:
8.35.21
